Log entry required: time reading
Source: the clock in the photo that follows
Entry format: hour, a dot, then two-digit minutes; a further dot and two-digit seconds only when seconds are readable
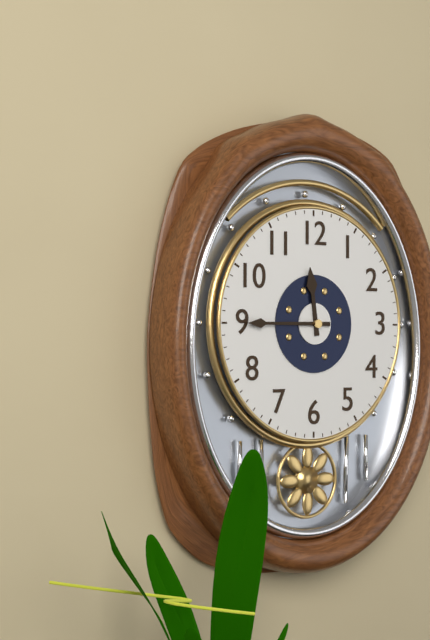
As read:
11.45
